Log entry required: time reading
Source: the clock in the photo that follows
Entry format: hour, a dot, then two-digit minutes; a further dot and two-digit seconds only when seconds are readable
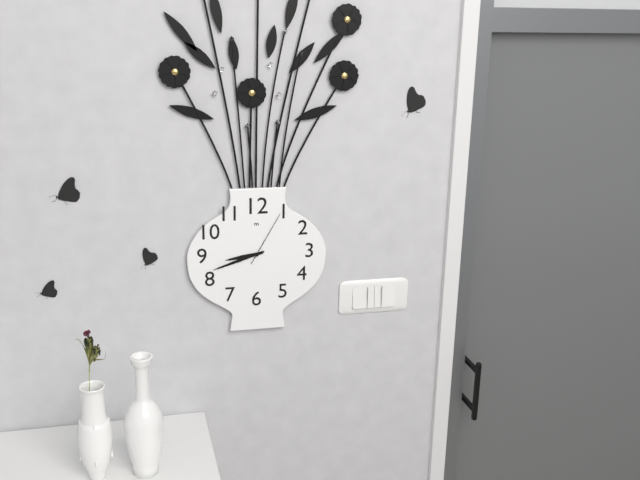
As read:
8.42.05
